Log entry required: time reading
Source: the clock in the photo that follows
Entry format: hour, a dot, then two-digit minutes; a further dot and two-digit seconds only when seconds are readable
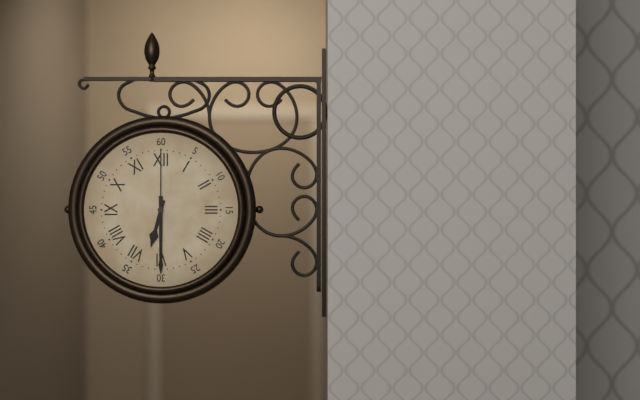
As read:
6.30.00
